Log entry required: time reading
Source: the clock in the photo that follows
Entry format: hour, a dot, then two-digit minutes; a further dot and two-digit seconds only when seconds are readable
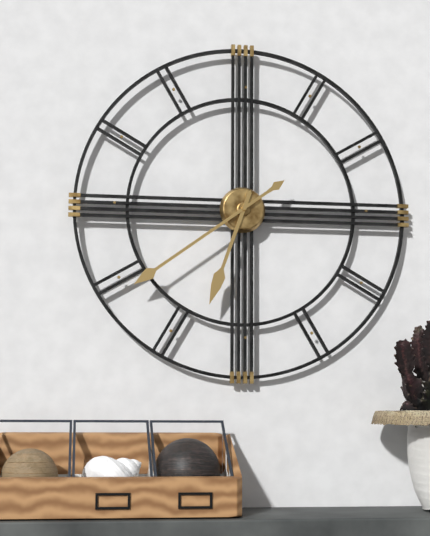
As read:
6.39
